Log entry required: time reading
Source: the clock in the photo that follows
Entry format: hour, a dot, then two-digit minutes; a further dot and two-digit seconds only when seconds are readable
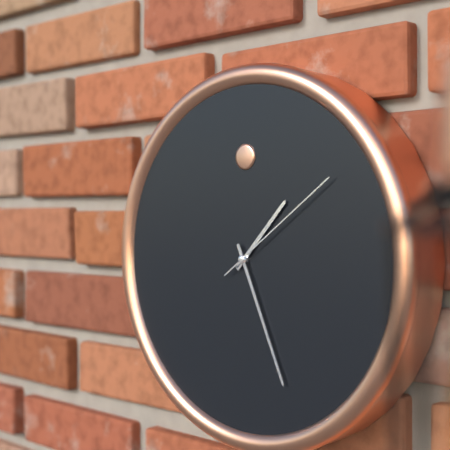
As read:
1.26.09
